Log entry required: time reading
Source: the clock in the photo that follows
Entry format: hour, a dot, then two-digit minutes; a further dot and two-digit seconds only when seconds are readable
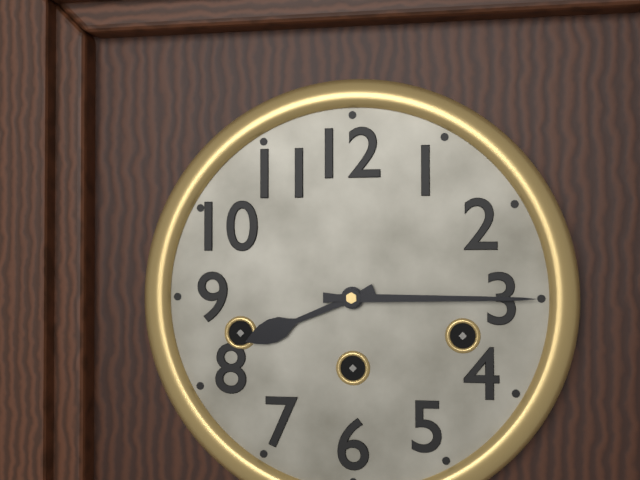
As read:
8.15
